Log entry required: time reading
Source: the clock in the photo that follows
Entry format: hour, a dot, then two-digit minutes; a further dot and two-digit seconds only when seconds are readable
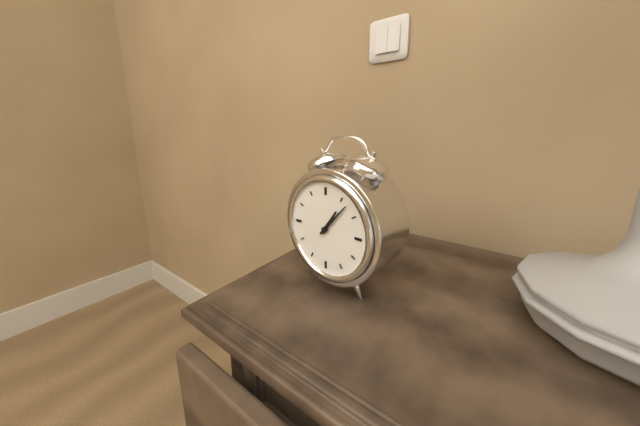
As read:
1.07
